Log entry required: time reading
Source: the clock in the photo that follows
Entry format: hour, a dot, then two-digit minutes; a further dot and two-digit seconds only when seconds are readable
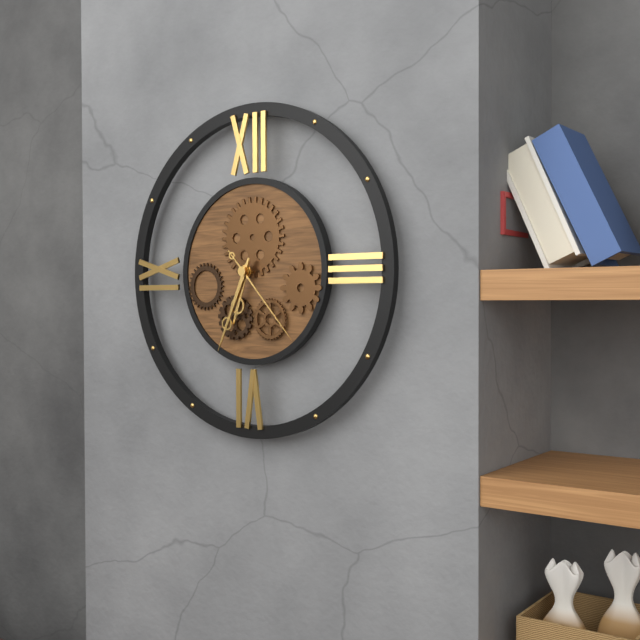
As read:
6.34.23
